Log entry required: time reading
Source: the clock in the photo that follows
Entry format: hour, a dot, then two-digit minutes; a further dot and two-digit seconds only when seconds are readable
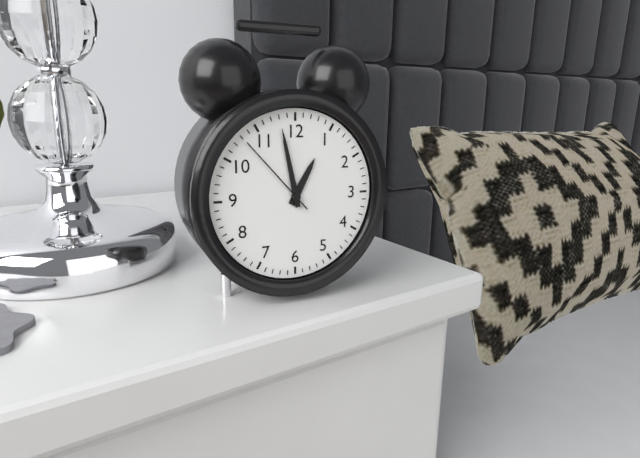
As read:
12.58.53
